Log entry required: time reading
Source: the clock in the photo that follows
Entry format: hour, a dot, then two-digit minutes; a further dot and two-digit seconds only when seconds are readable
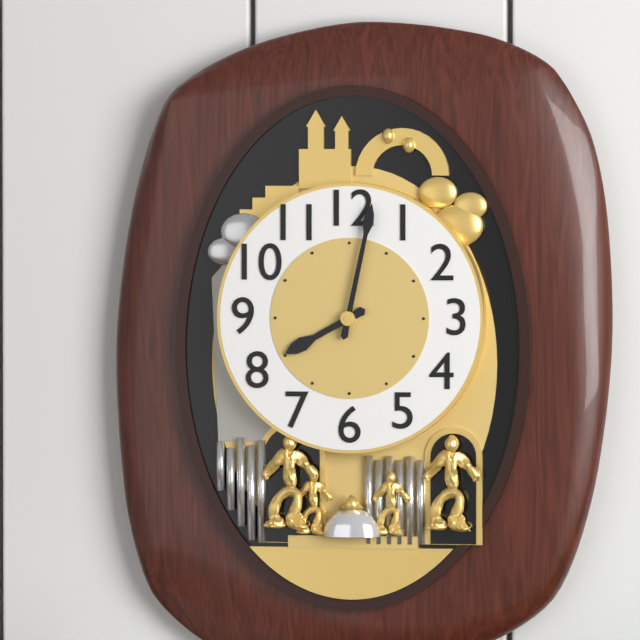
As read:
8.02
